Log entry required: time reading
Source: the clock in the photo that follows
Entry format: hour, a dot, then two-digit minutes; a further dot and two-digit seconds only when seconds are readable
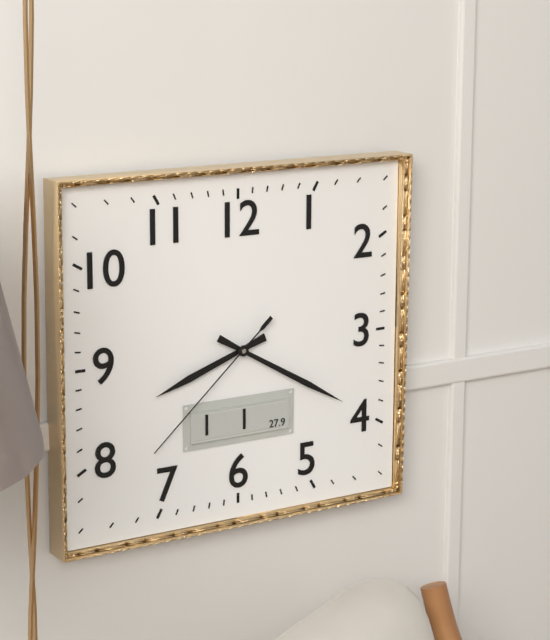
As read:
8.20.38
